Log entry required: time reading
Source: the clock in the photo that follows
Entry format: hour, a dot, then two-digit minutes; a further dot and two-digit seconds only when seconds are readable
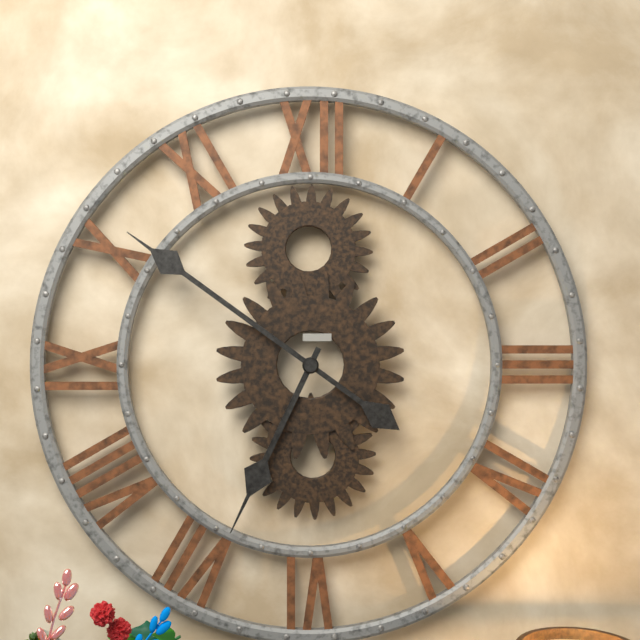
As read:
6.51
